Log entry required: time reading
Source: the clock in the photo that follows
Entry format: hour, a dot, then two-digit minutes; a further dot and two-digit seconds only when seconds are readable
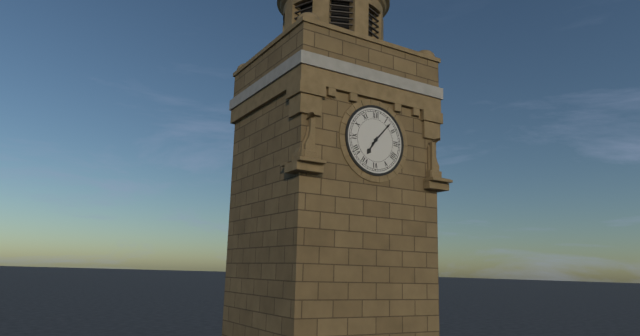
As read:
7.07
